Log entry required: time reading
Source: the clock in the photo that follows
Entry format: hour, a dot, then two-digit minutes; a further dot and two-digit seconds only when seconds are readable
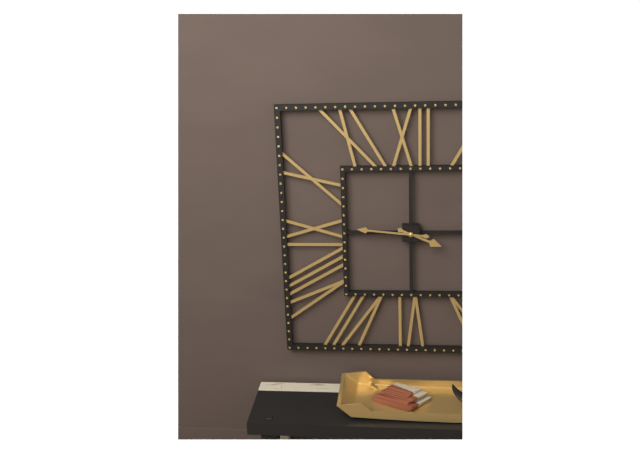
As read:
3.46
